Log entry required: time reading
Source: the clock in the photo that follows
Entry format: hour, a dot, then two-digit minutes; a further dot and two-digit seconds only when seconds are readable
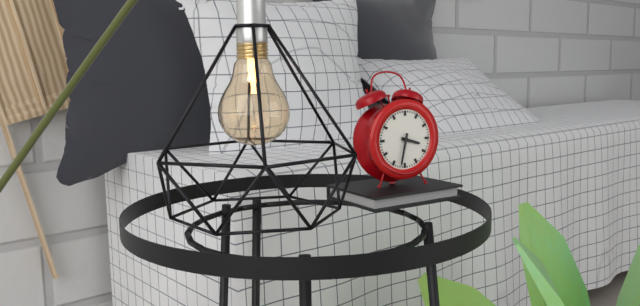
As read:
3.32
